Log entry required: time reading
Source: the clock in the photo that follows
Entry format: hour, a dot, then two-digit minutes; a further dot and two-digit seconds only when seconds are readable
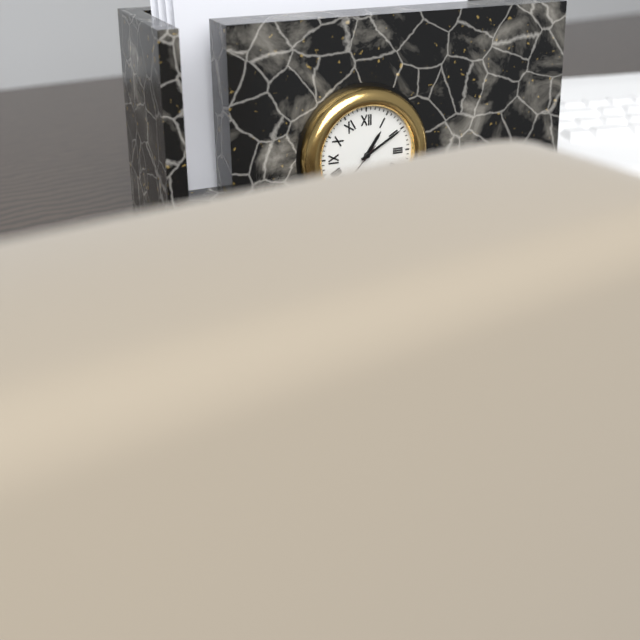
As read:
1.10
